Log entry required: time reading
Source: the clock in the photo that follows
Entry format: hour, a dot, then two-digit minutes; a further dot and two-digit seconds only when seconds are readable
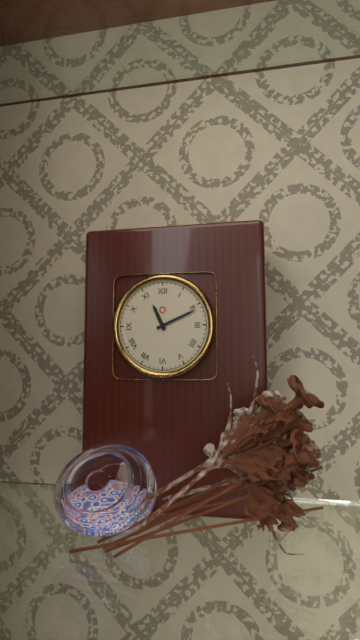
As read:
11.11
